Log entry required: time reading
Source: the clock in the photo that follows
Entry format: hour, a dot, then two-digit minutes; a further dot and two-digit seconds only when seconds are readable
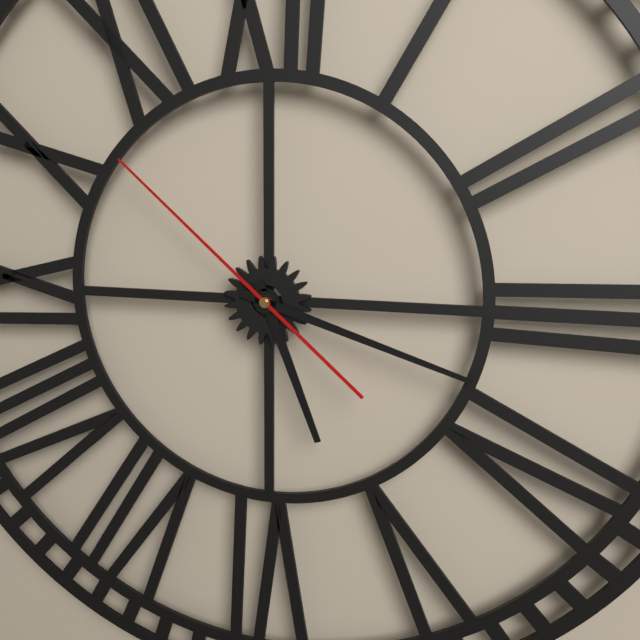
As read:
5.18.52
